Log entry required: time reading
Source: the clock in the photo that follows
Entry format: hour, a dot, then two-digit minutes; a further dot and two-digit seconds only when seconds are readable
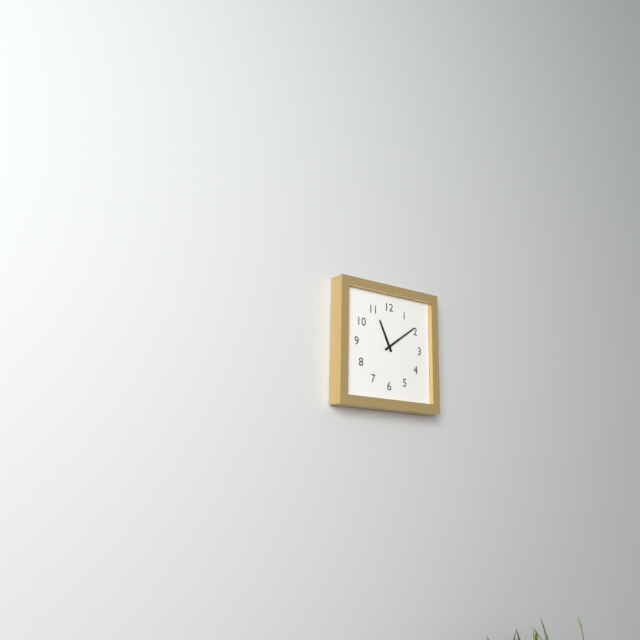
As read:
11.09
